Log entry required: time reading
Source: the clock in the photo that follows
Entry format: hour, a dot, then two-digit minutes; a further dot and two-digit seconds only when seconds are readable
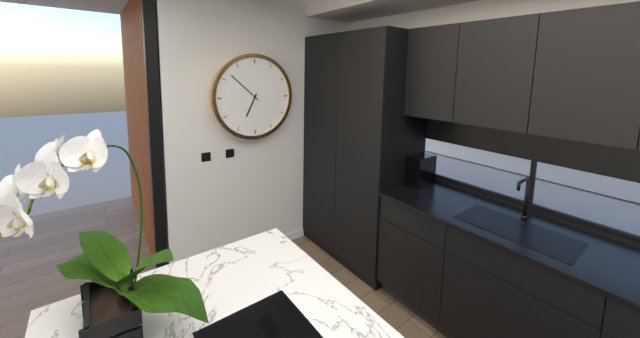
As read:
6.52
